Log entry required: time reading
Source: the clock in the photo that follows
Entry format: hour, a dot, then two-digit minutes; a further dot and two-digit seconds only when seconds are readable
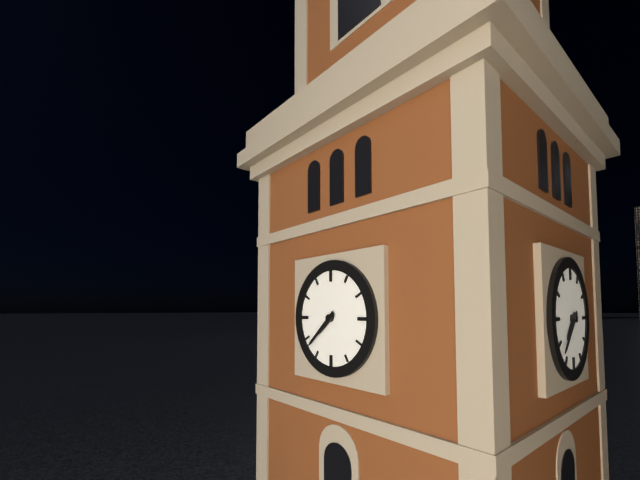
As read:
7.38
